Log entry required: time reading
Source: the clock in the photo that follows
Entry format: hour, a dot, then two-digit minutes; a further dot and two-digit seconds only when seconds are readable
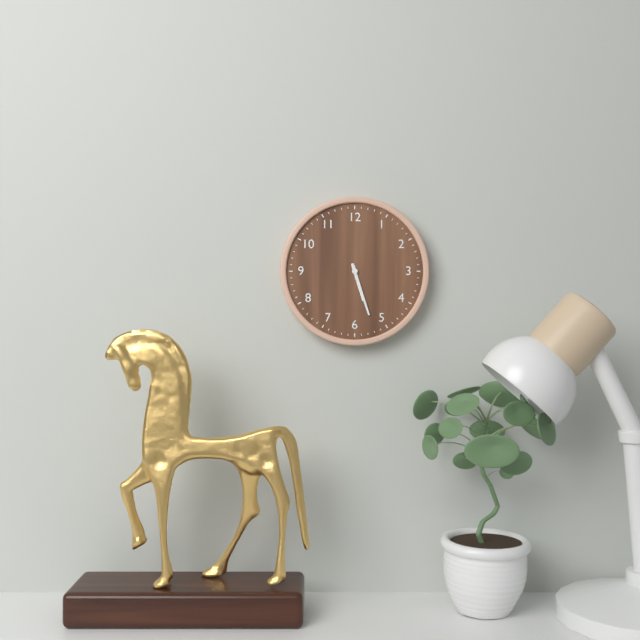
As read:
5.27
